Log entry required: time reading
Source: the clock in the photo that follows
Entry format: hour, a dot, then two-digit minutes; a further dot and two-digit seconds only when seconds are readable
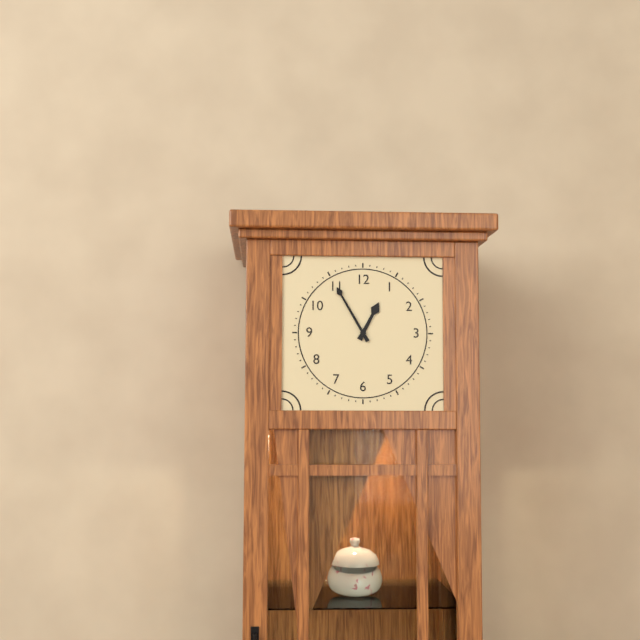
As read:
12.55
